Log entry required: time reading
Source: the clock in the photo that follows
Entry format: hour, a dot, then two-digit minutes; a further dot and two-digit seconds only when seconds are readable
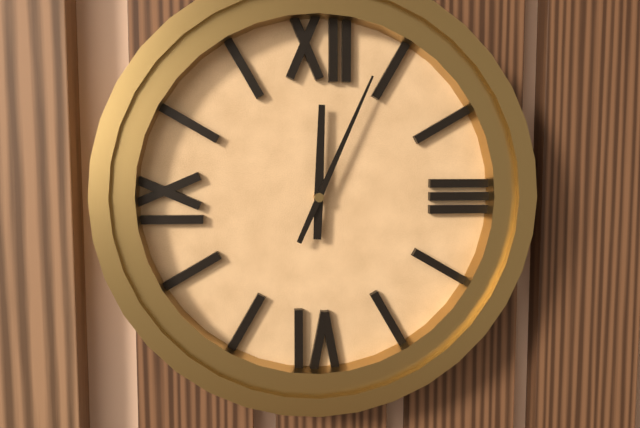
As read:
12.04
